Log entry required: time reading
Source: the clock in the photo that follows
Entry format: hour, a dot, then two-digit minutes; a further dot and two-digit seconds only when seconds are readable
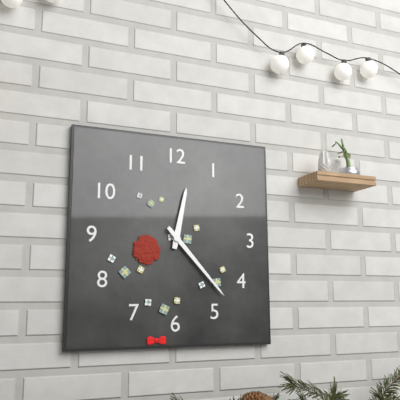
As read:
12.23
